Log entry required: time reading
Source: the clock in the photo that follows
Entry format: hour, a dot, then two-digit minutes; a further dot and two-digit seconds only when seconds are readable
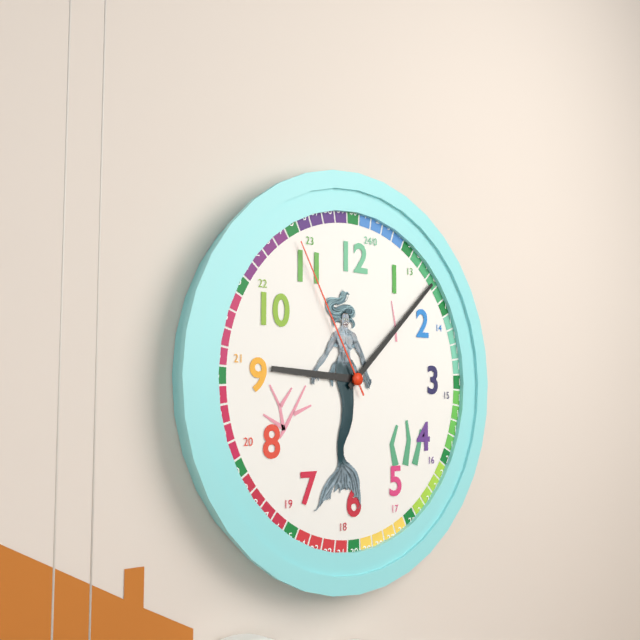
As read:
9.08.55
